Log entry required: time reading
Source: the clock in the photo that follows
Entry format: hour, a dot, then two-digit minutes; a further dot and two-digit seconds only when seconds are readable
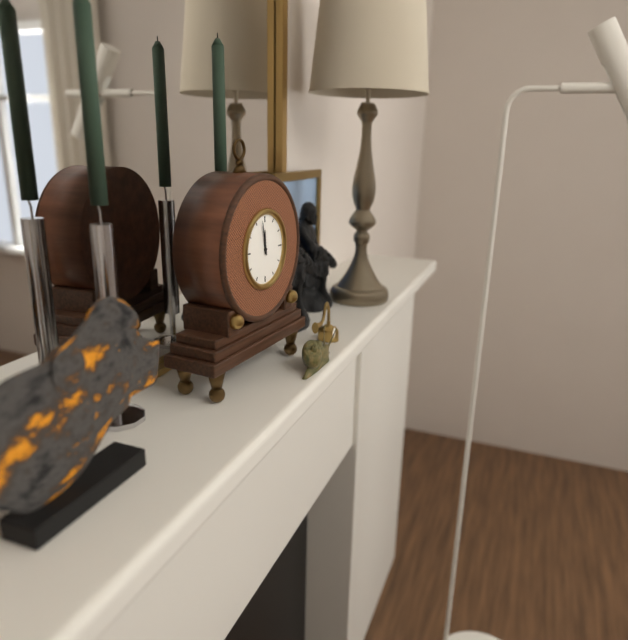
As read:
11.58
